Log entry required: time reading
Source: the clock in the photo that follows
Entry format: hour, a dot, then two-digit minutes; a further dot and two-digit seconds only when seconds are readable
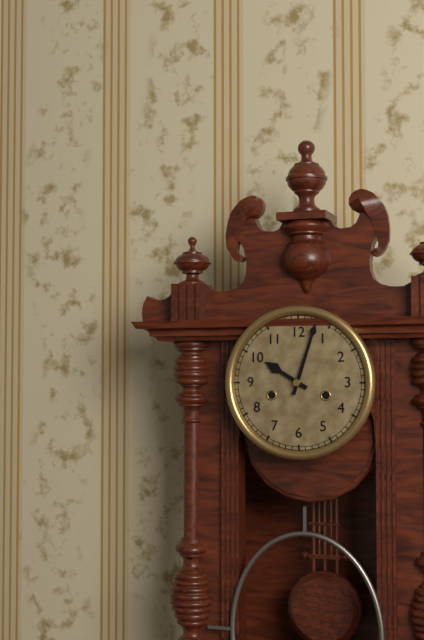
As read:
10.03
